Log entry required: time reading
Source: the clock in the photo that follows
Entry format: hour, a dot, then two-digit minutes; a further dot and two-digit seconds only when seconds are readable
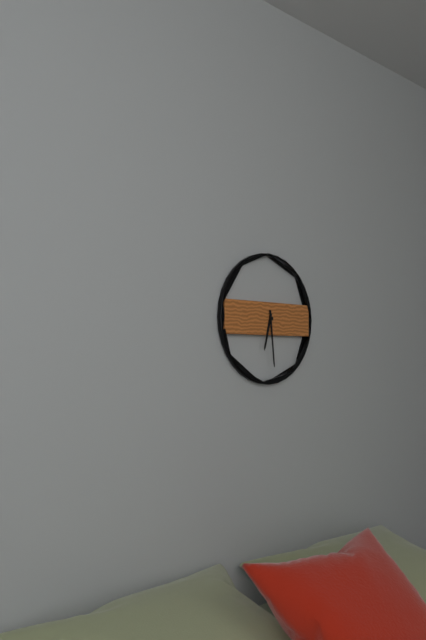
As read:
6.29
